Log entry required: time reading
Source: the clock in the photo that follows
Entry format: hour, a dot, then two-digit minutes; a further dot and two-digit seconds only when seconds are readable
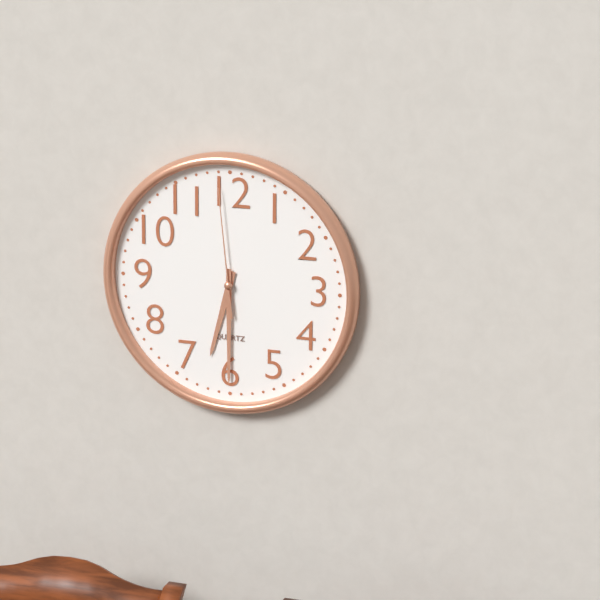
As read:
6.30.59
